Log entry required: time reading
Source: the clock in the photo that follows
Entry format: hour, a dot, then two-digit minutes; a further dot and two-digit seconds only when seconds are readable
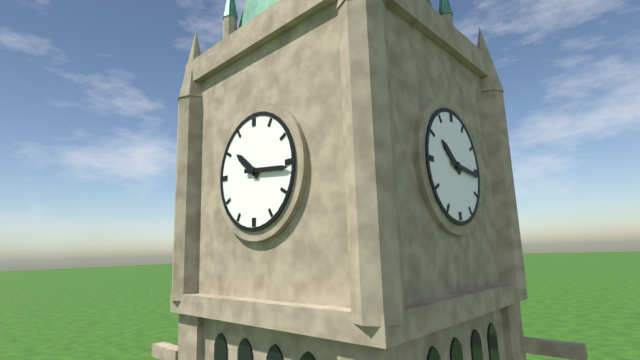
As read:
10.16
